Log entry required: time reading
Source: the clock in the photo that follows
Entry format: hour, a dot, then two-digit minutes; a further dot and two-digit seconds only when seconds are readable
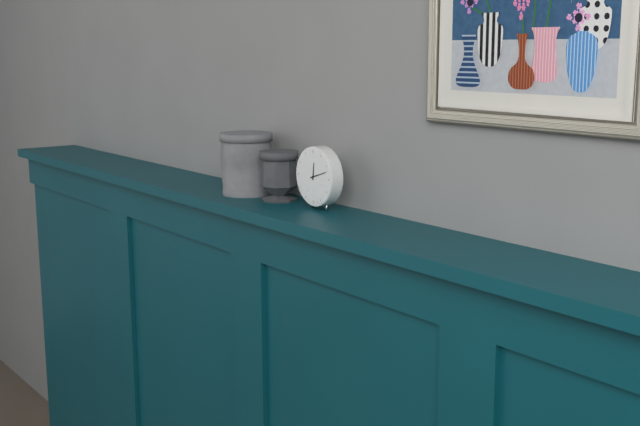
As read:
12.12
